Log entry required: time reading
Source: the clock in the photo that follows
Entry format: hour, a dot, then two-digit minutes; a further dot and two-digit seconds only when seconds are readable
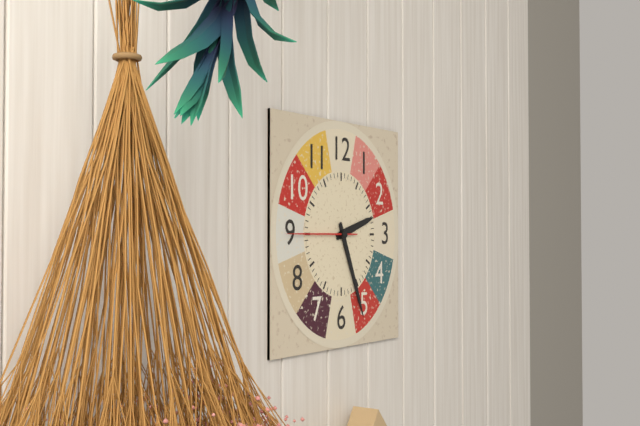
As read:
2.26.45
